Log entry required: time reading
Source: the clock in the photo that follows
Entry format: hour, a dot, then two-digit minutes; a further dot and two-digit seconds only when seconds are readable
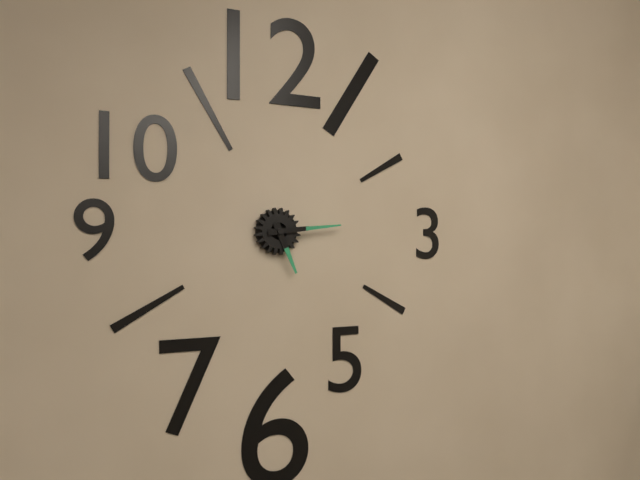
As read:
5.14
